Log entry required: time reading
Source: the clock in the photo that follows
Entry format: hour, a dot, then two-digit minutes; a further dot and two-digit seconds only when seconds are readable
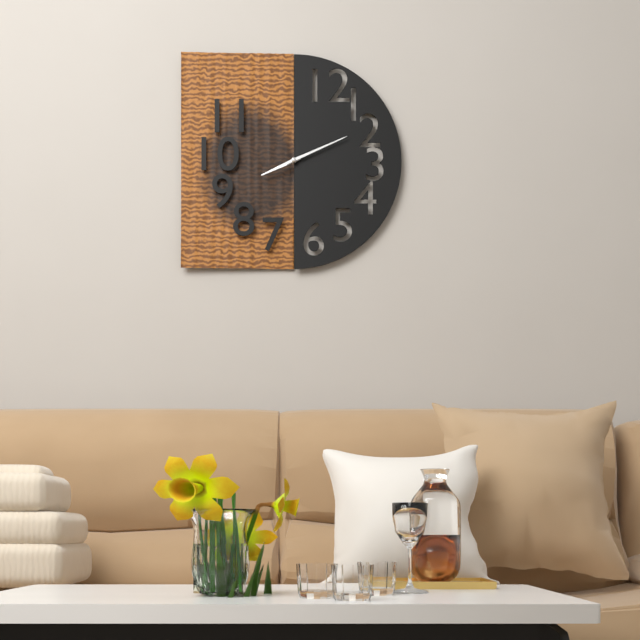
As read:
8.11
